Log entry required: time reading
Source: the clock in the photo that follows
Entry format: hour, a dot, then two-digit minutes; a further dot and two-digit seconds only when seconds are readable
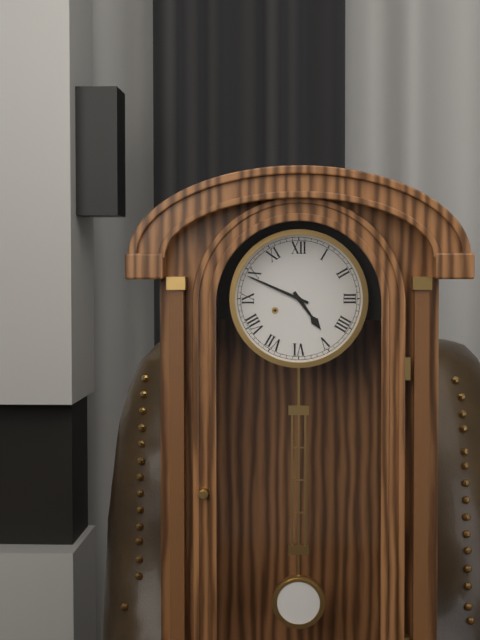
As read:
4.49
